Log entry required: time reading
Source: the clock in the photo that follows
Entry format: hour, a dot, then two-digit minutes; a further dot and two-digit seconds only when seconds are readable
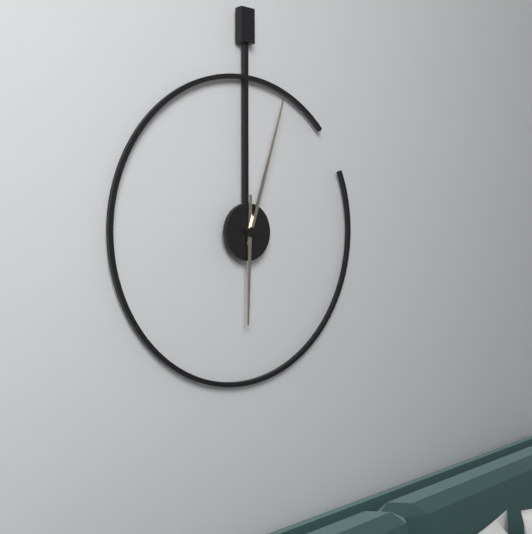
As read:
6.03
